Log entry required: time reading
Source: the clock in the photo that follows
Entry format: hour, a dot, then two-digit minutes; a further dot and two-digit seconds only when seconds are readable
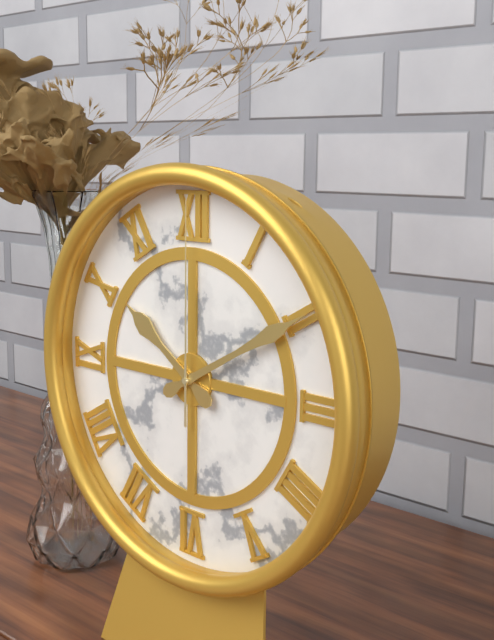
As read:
10.10.00
